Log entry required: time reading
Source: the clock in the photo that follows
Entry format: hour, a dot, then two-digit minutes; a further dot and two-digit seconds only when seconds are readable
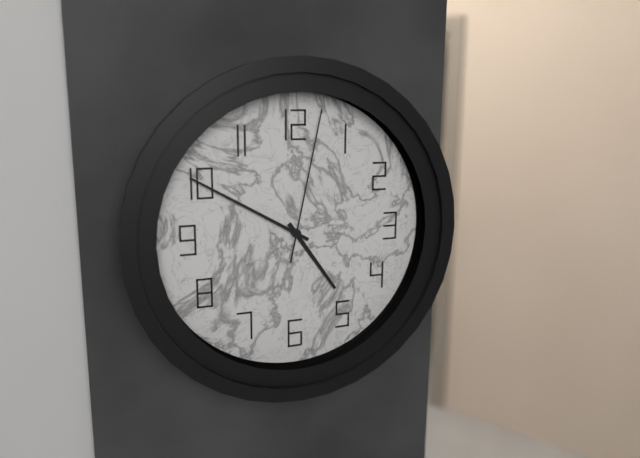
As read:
4.50.02
